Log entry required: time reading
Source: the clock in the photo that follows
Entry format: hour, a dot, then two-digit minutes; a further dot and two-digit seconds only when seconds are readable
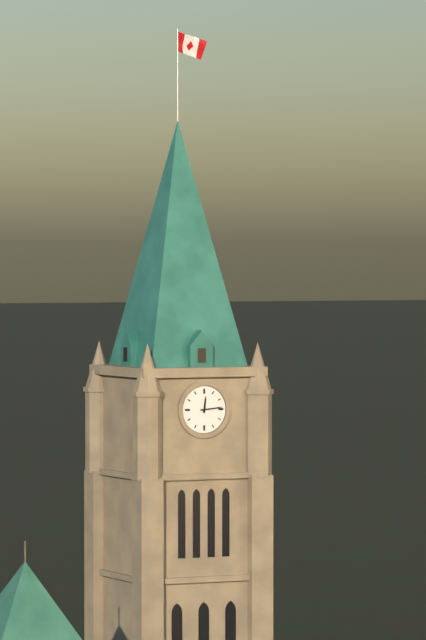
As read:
12.14
